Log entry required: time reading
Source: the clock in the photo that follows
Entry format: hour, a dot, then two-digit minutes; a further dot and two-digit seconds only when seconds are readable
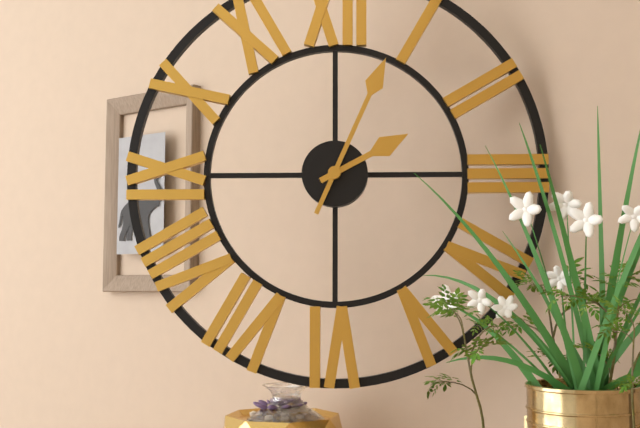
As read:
2.04
